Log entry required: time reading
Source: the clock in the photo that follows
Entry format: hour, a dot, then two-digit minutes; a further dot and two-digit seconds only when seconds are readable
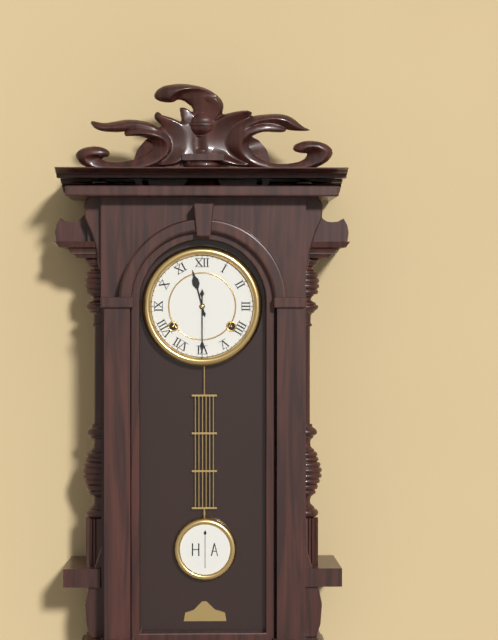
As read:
11.30
